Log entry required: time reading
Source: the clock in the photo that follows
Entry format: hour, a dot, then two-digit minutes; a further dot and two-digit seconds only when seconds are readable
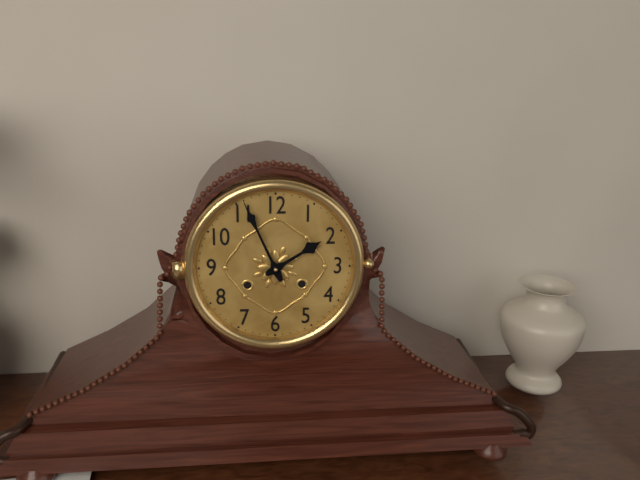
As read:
1.56
